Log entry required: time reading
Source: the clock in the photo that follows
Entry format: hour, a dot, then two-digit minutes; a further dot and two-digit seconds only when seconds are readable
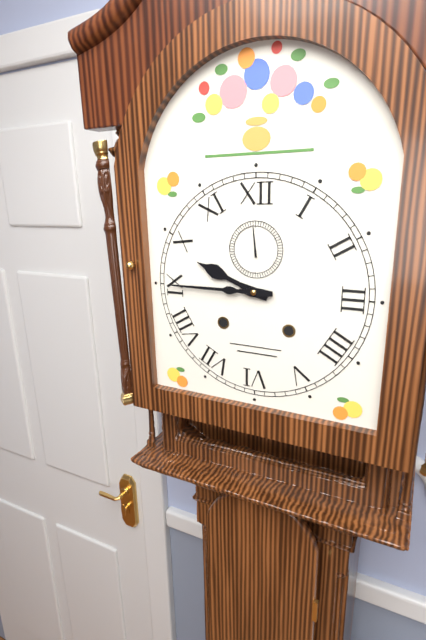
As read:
9.45
